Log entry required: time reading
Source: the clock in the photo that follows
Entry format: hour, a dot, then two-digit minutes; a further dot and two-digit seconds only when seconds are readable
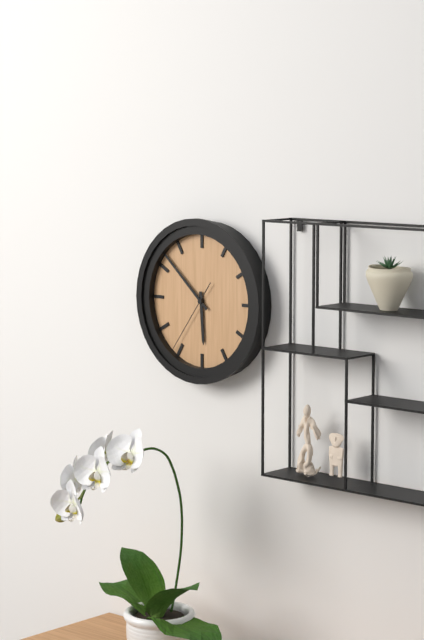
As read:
5.52.36
